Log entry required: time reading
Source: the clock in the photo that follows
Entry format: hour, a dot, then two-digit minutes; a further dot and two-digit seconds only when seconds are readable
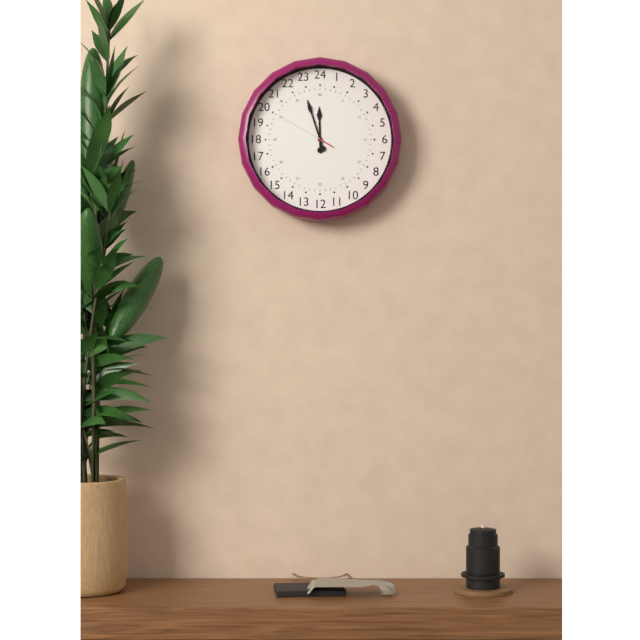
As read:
11.57.50
